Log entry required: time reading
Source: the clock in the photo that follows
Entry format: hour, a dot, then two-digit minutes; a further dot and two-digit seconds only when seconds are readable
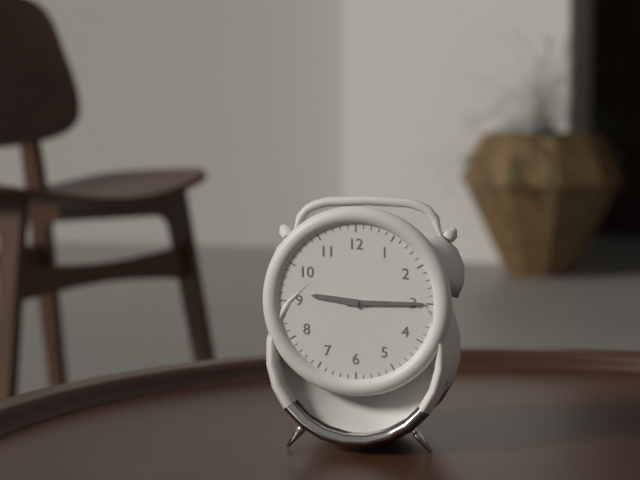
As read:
9.15
